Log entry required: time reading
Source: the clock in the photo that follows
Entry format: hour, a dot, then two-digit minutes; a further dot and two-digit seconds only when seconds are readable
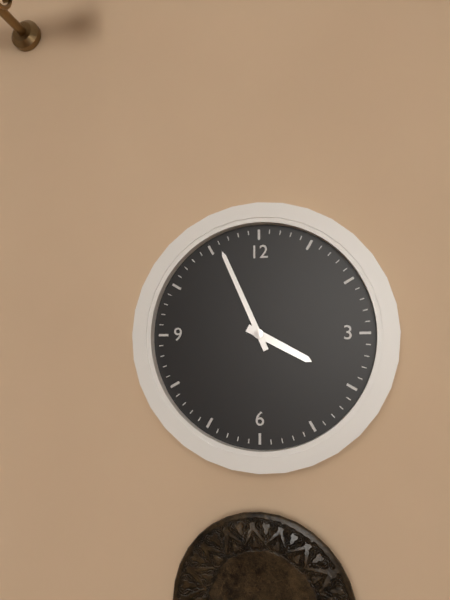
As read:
3.56
